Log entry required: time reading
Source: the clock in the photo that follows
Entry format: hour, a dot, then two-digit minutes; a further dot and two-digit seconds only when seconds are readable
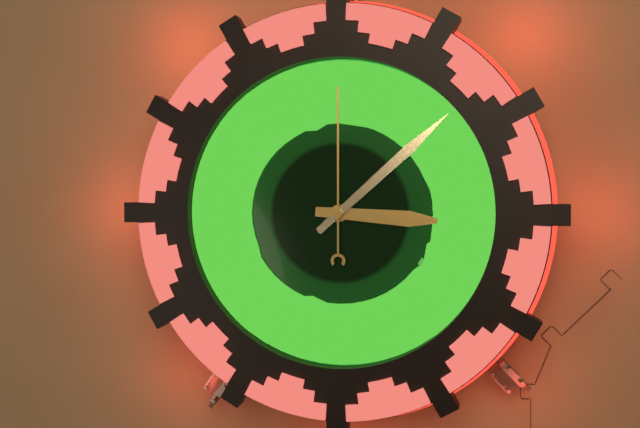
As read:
3.08.00
